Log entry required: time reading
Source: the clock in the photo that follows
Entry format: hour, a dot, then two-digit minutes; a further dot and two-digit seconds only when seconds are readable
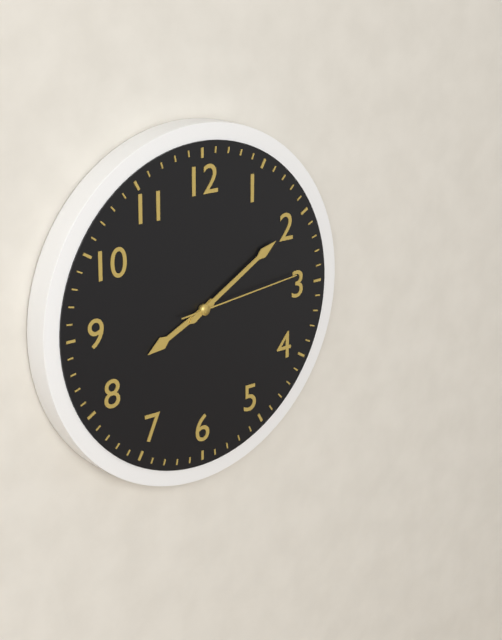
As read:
8.10.14
